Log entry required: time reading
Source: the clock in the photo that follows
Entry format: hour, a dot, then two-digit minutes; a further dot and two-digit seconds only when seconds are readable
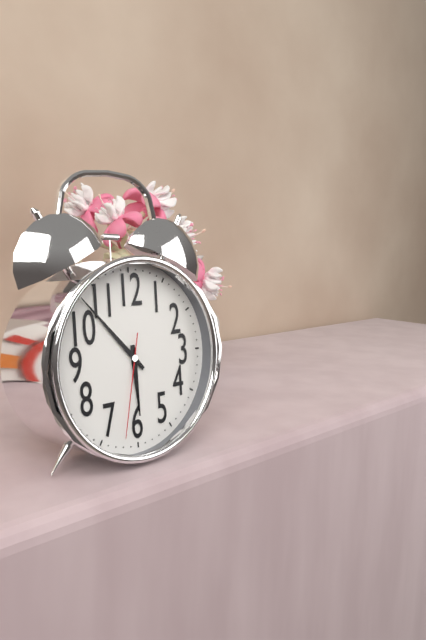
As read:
5.53.32
